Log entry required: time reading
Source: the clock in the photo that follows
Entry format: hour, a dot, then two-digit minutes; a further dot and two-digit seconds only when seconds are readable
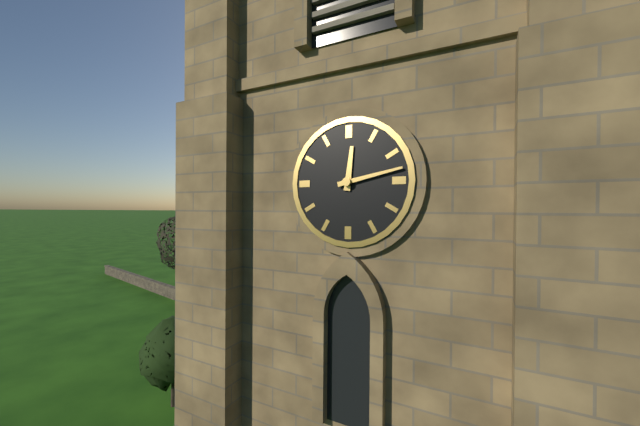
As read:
12.13
